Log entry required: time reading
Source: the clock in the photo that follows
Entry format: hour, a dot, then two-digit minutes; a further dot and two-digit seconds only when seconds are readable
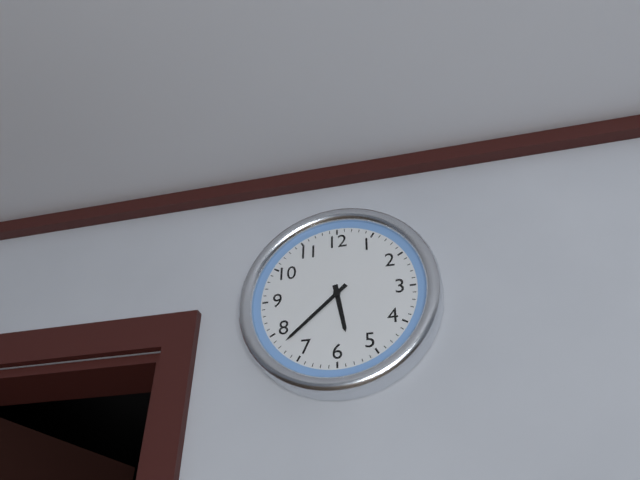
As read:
5.38
